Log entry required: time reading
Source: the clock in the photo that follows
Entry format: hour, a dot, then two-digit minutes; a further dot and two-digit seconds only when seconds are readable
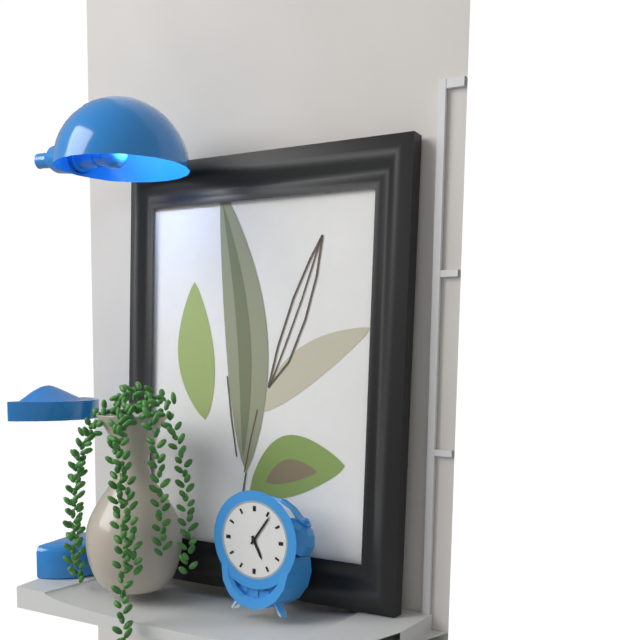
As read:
5.06
